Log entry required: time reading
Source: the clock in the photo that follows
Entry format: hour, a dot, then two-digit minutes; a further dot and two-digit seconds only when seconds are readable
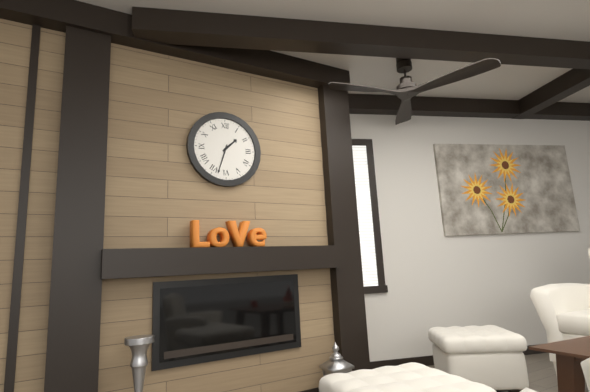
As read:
1.33
